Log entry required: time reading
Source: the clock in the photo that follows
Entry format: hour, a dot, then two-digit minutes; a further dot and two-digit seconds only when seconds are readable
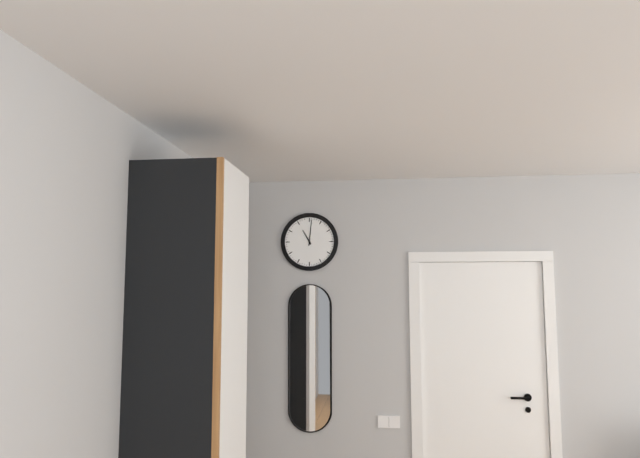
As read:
11.01
